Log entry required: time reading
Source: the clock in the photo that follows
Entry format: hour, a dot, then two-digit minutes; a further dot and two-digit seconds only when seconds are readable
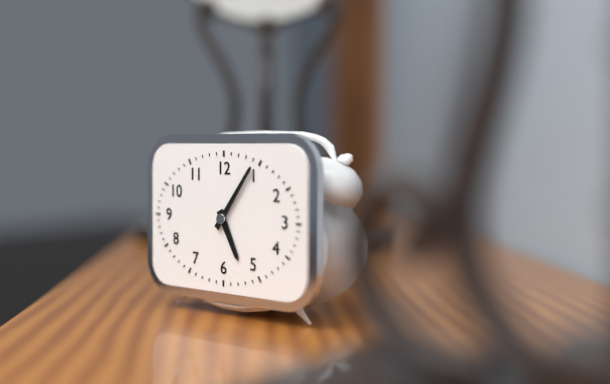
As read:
5.06
